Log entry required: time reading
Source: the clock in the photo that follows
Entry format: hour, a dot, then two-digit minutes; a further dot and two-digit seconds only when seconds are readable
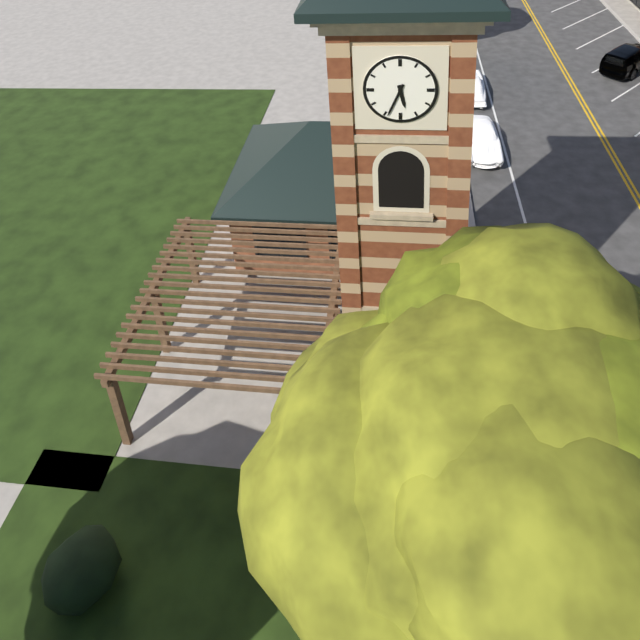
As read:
5.34
